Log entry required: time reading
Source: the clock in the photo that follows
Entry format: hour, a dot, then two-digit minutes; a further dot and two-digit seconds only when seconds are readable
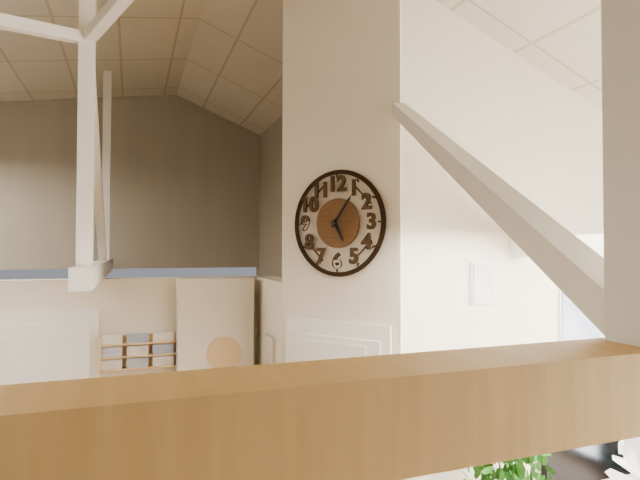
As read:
5.06
